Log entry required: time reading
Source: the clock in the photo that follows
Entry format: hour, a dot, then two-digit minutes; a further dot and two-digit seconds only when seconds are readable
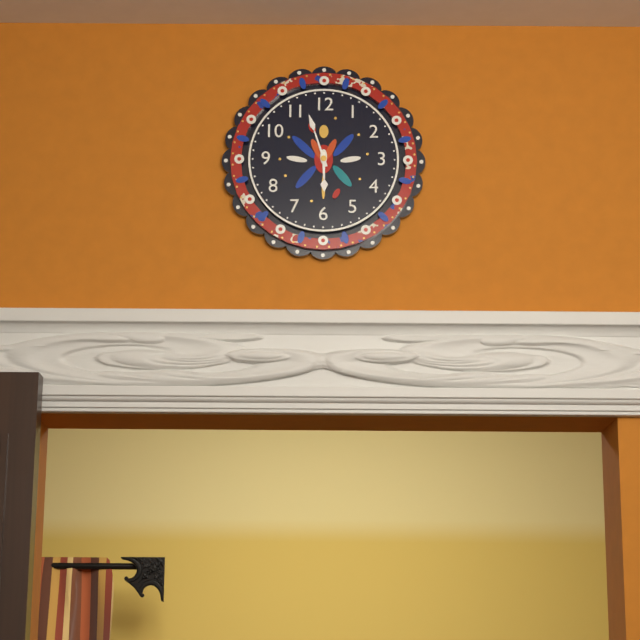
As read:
5.57
